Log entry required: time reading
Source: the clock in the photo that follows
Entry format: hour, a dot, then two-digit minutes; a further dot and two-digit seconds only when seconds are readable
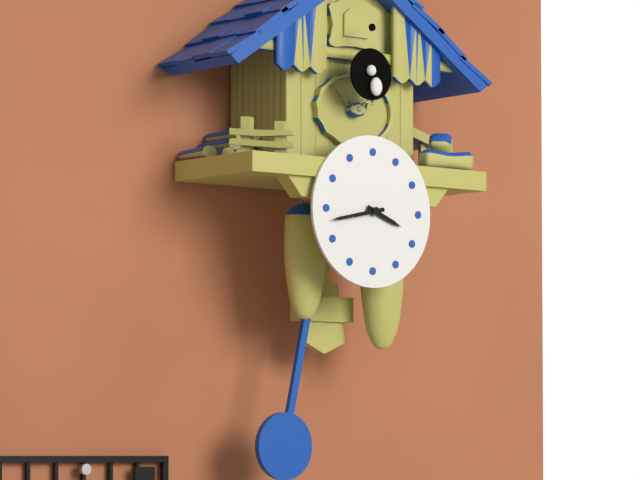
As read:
3.43
